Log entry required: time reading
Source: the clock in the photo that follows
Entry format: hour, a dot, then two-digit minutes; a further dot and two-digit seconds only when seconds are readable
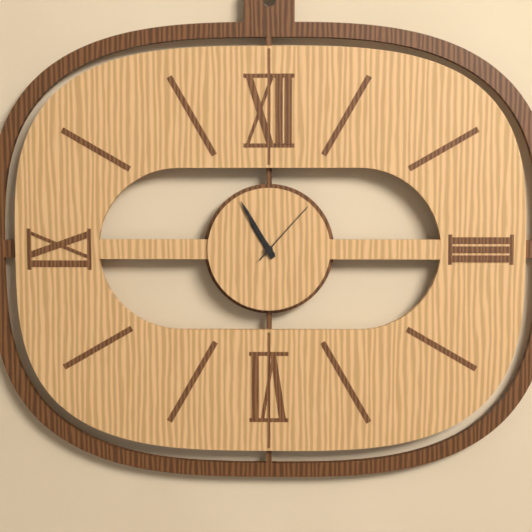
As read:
10.55.07
